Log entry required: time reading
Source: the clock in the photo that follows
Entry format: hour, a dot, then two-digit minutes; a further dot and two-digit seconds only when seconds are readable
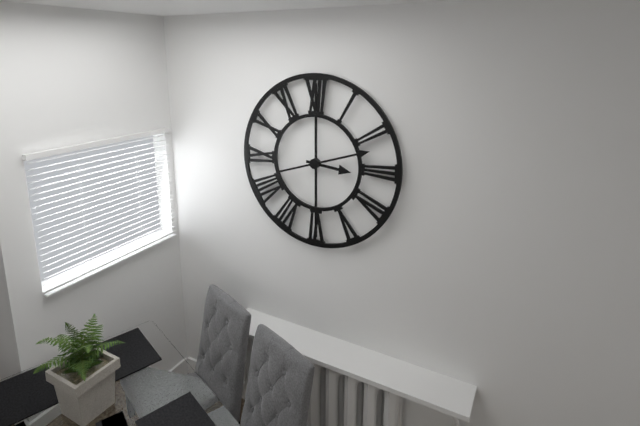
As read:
3.12
